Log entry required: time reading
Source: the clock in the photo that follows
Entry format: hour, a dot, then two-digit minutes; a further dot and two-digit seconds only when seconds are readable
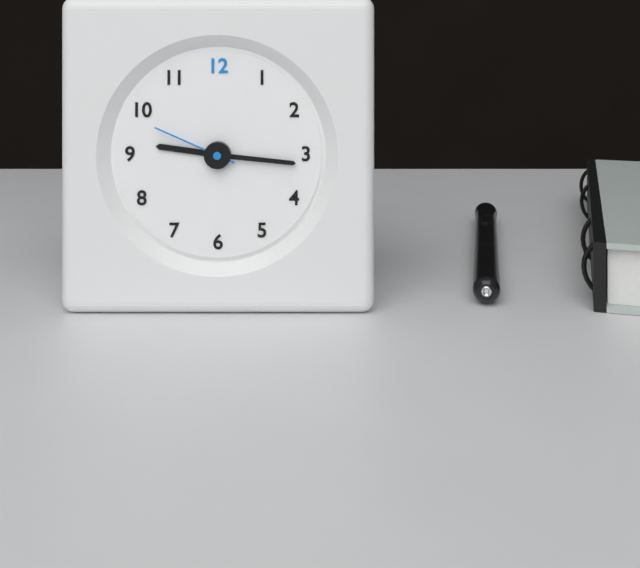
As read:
9.16.49
